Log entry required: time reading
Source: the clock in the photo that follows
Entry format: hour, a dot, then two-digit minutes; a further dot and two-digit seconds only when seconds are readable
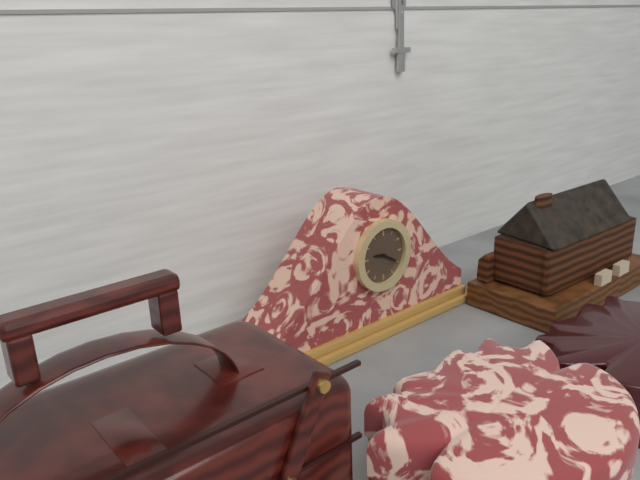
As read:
9.20
